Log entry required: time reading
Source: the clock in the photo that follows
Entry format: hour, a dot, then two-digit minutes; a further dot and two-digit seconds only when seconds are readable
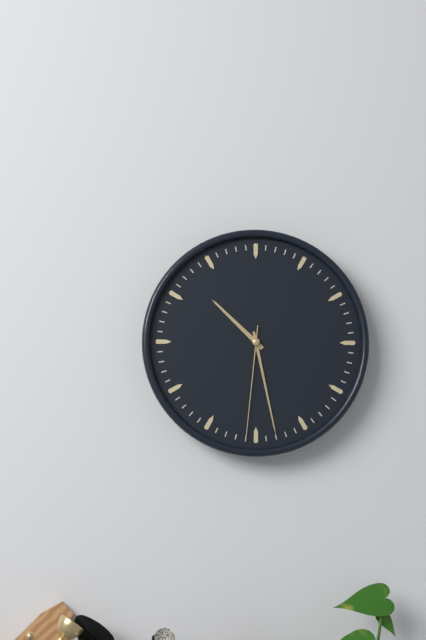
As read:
10.28.31
